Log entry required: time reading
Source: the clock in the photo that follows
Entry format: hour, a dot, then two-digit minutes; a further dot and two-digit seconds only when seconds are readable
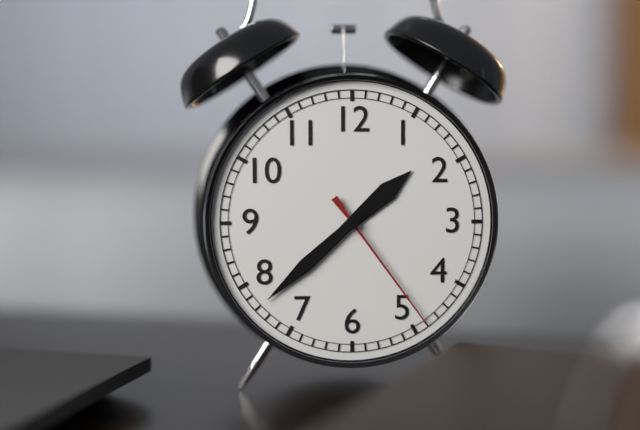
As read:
1.38.24
